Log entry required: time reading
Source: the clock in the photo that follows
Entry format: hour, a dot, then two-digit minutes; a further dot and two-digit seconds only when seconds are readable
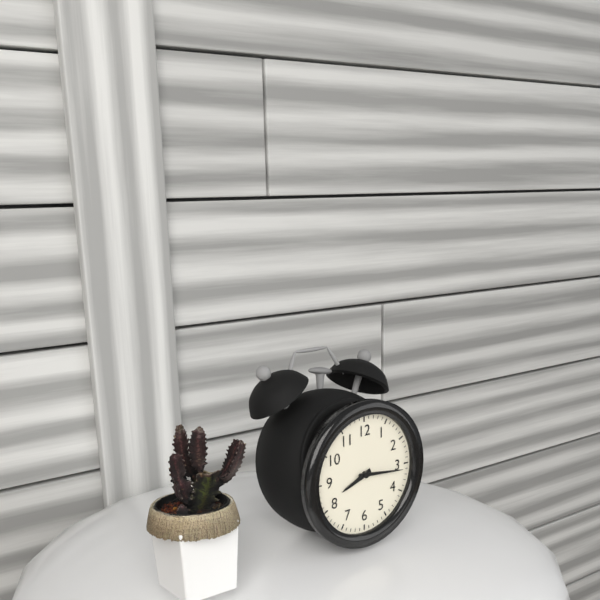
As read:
8.16
